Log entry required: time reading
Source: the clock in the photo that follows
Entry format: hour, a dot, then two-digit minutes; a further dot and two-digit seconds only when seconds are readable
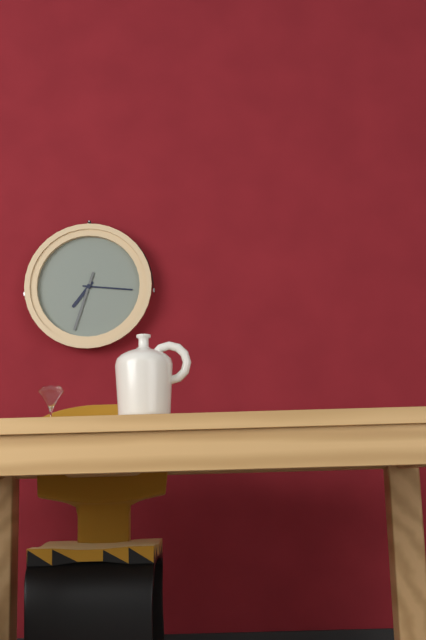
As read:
7.16.33
